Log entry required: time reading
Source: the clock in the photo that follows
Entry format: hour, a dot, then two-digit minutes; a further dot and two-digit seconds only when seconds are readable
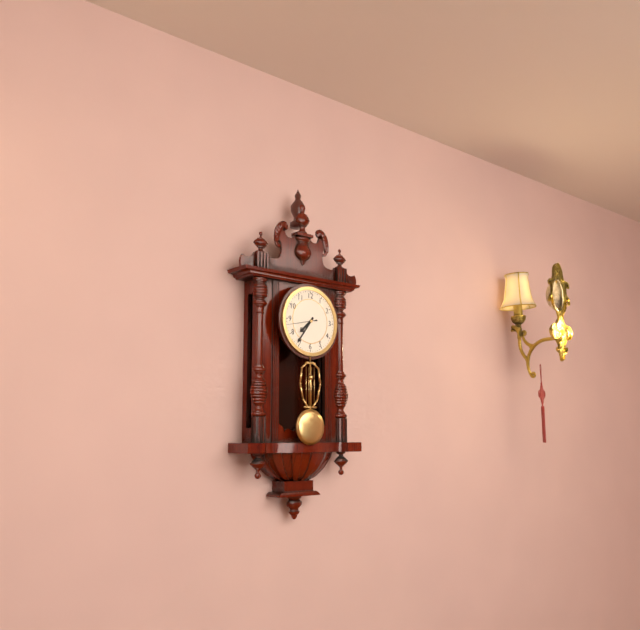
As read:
7.36
